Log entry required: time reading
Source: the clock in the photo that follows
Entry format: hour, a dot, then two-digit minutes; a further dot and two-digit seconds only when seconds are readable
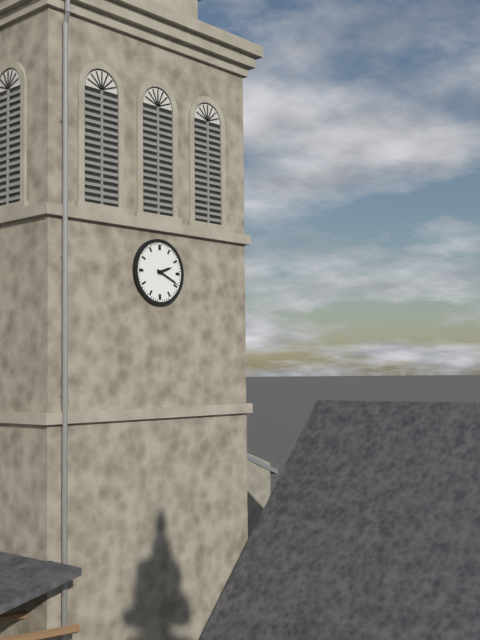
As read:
2.19
